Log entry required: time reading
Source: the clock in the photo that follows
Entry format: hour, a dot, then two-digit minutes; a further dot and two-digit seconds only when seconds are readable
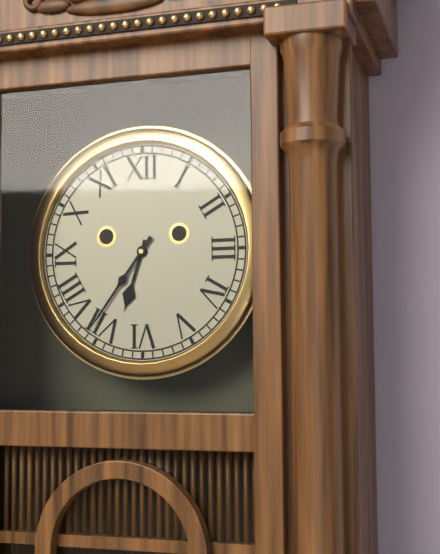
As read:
6.36
